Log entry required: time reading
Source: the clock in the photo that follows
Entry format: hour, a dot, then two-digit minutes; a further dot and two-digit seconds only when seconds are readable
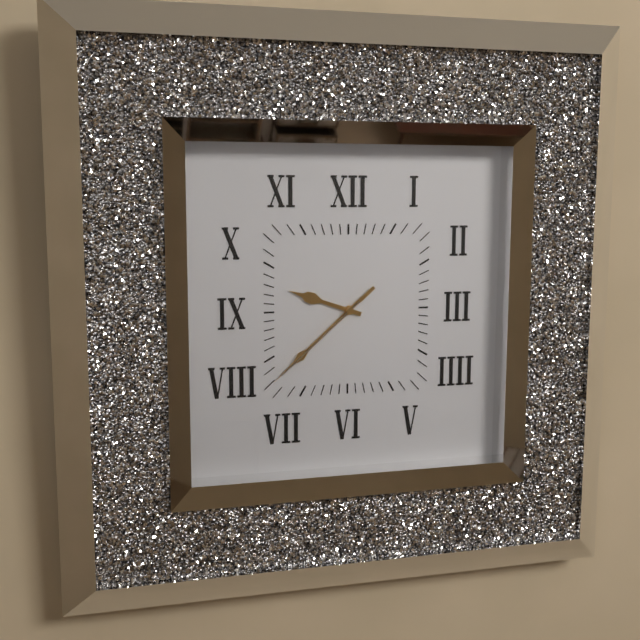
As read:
9.38.38
